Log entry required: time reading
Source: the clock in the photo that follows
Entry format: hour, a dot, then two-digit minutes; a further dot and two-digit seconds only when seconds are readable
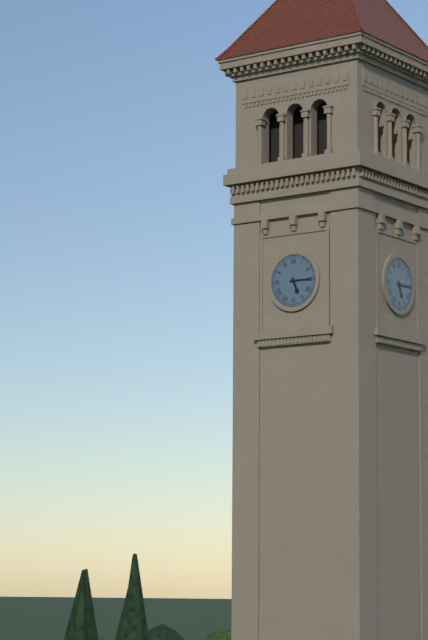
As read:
5.15
